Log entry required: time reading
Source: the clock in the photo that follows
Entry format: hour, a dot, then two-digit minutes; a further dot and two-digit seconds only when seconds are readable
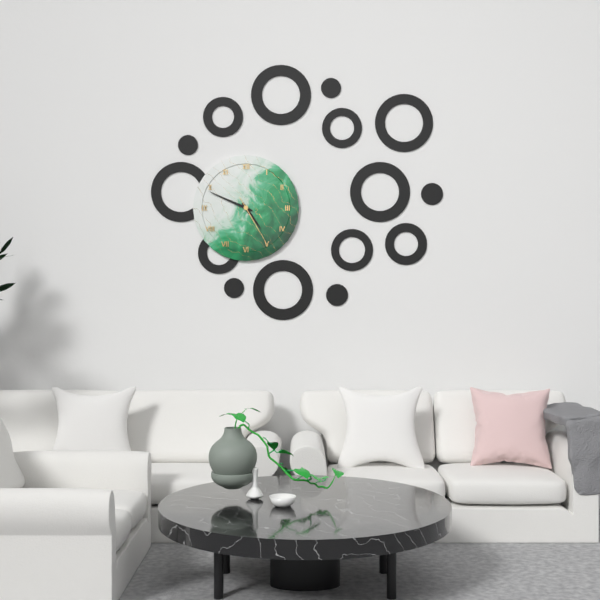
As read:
4.49.25
